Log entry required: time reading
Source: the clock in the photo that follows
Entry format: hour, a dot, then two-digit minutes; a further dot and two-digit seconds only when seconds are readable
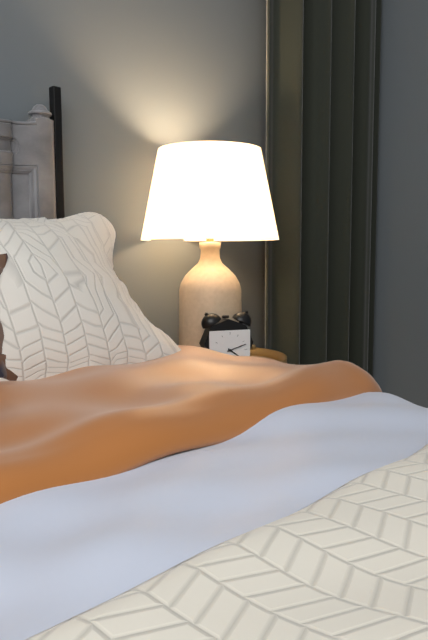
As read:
4.12
